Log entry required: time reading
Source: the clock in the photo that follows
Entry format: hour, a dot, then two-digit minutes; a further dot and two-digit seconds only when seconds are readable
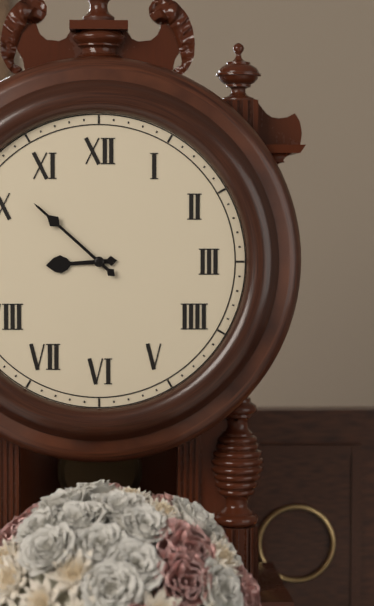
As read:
8.52
